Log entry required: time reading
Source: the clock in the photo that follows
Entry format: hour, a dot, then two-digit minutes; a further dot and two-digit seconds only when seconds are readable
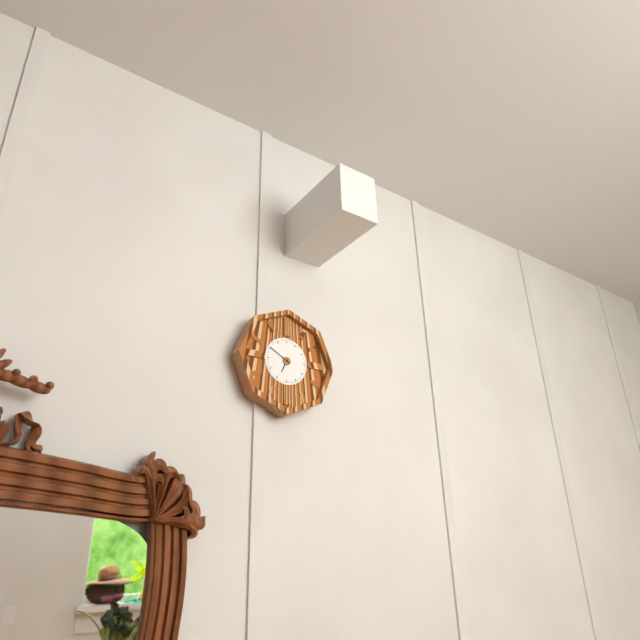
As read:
6.50
